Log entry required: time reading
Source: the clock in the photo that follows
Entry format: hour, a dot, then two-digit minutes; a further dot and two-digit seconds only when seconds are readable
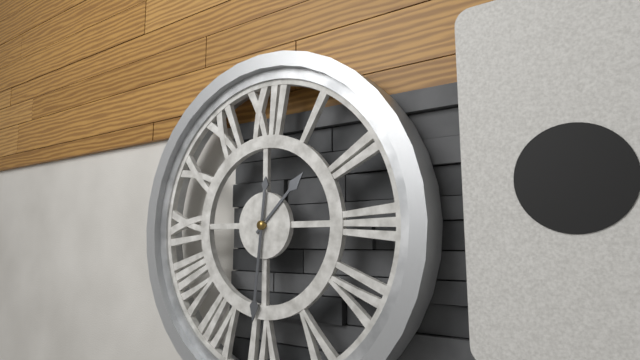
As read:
1.31
